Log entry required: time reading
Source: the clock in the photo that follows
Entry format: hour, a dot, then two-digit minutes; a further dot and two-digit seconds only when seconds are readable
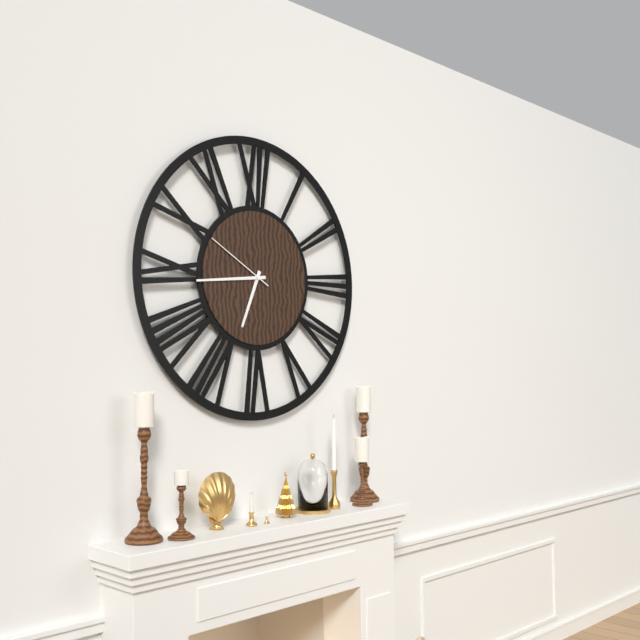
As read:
6.44.50
